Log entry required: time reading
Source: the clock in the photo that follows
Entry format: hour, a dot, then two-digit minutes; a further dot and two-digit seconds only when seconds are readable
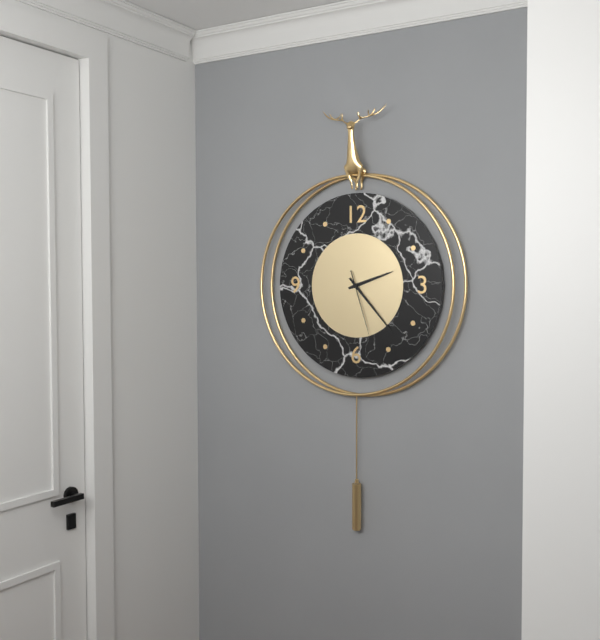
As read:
2.23.27
